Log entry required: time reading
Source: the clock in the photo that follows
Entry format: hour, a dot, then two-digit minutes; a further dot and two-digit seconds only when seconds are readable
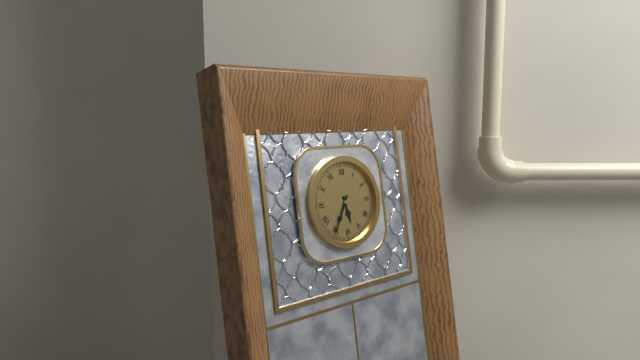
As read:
5.35
